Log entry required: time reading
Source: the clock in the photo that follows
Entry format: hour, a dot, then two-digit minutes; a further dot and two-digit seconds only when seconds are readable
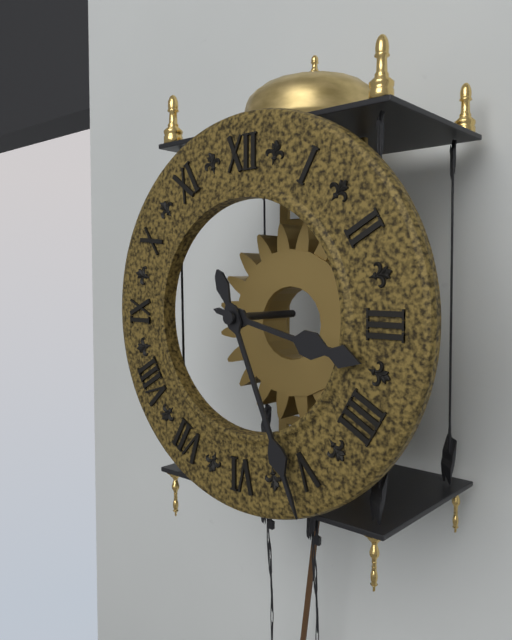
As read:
3.26
